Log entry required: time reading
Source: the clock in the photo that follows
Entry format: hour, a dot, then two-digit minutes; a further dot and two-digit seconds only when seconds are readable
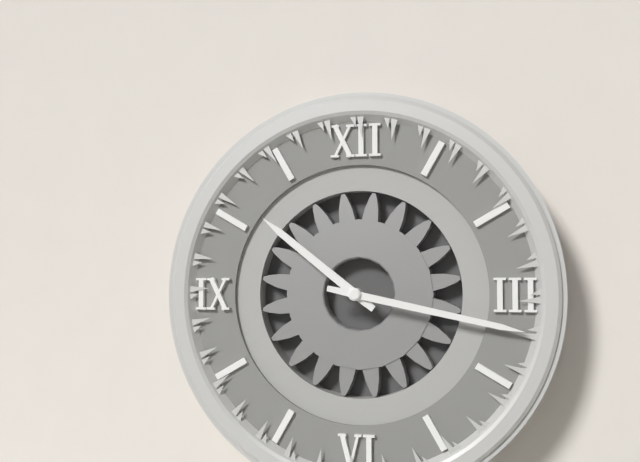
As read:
10.17
